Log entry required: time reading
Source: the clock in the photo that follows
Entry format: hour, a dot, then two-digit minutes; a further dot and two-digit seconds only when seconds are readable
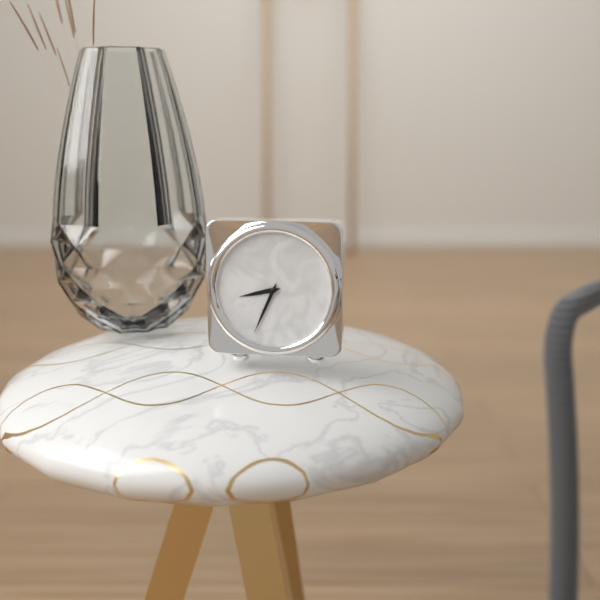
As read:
8.34
